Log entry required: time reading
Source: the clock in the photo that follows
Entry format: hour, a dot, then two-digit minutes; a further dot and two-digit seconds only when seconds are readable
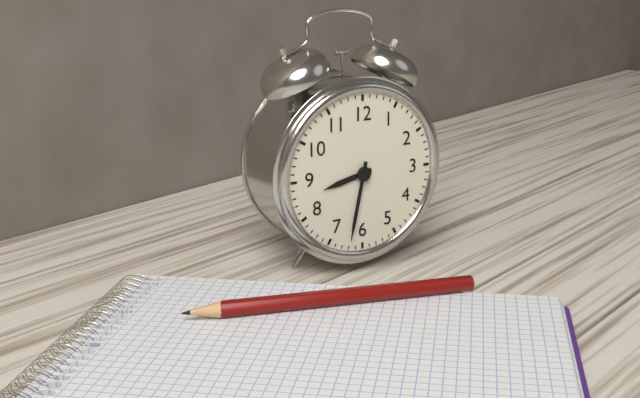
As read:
8.32
